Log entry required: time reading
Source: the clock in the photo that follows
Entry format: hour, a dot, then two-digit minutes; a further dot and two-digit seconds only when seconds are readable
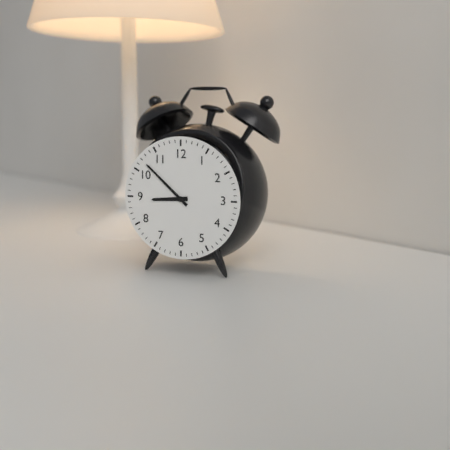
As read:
8.52
